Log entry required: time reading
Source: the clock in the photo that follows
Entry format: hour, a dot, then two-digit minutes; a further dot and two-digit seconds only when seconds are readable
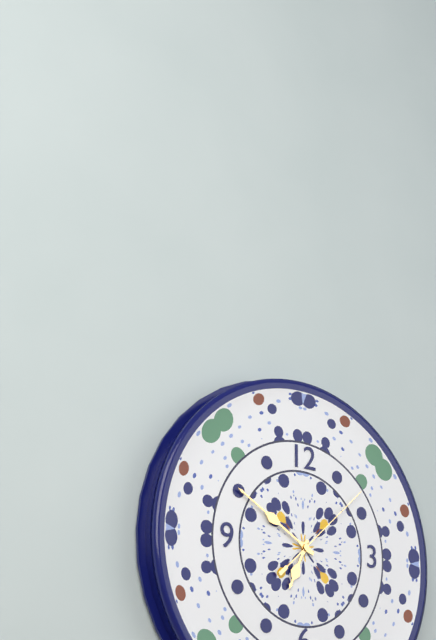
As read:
6.50.08
